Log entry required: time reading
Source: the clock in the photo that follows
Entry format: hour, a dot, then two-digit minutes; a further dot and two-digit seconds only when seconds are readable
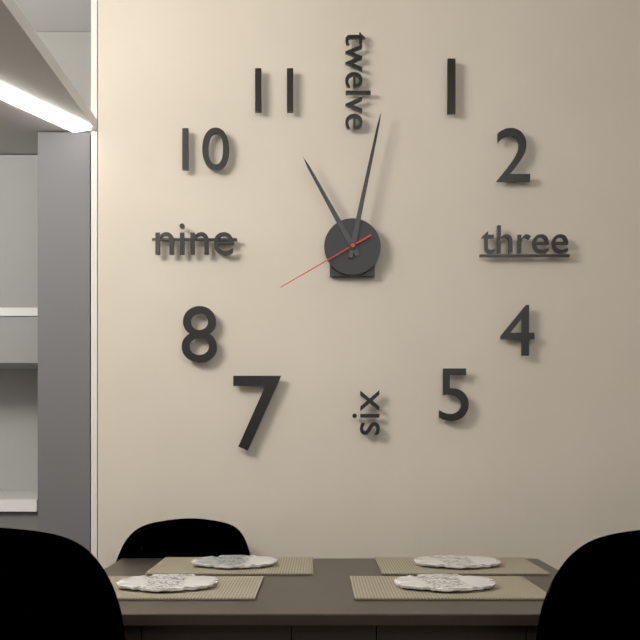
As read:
11.02.40
